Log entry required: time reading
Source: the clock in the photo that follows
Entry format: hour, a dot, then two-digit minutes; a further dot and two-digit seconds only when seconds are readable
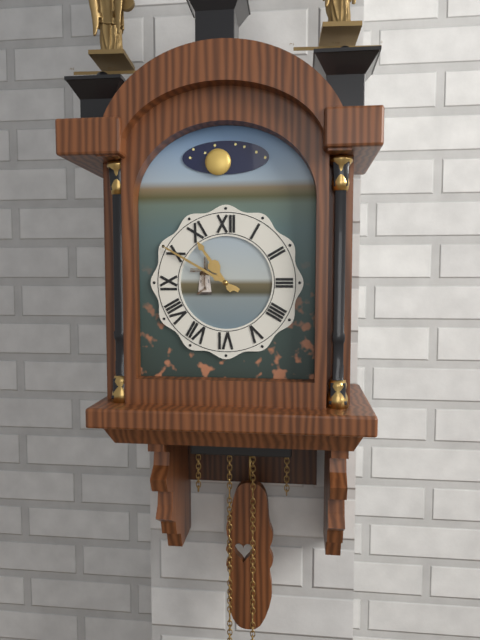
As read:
10.50
